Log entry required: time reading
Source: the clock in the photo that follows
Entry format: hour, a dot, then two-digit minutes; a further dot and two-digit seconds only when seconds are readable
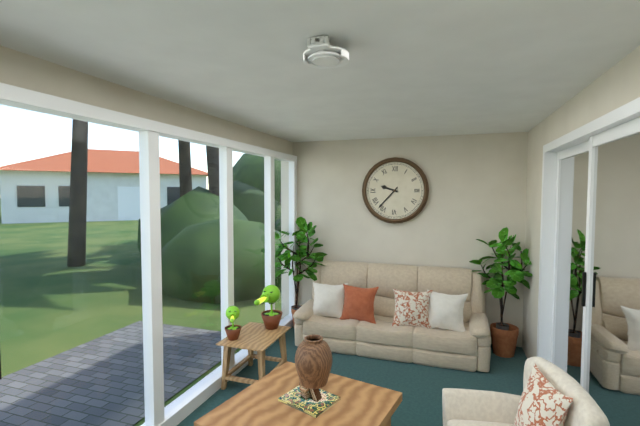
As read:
9.37
